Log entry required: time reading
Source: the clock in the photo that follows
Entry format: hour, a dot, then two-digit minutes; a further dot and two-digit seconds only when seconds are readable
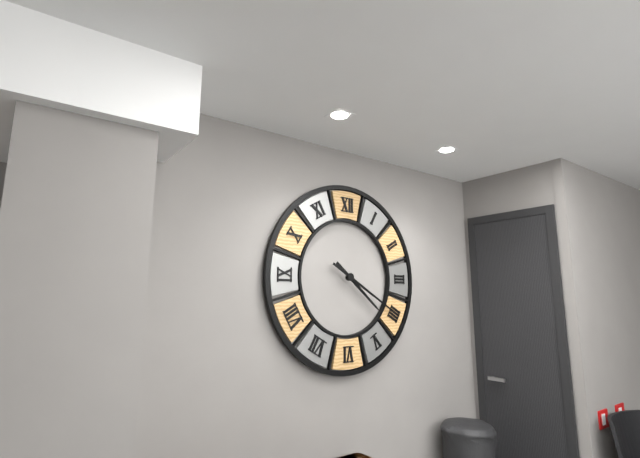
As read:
4.20
